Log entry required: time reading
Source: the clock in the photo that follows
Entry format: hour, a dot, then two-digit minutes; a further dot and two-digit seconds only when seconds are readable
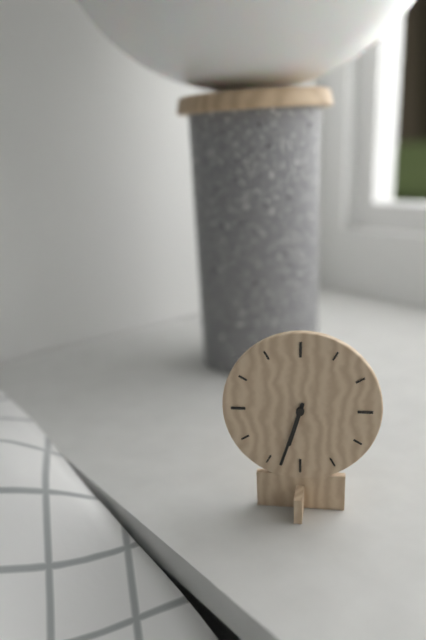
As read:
6.33
